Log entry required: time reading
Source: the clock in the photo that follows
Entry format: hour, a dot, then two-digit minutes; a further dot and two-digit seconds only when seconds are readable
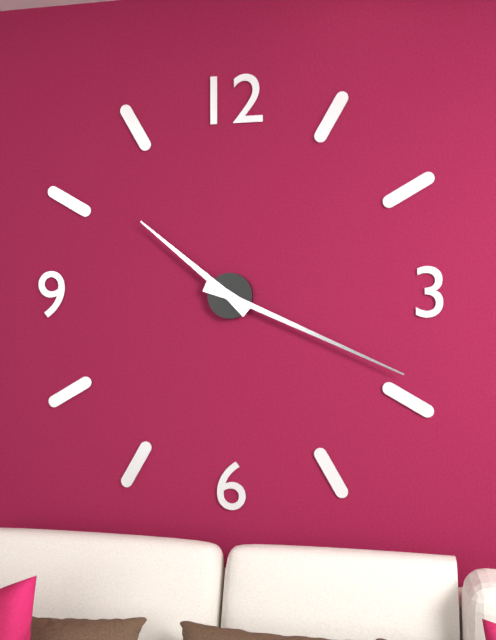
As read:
10.19
